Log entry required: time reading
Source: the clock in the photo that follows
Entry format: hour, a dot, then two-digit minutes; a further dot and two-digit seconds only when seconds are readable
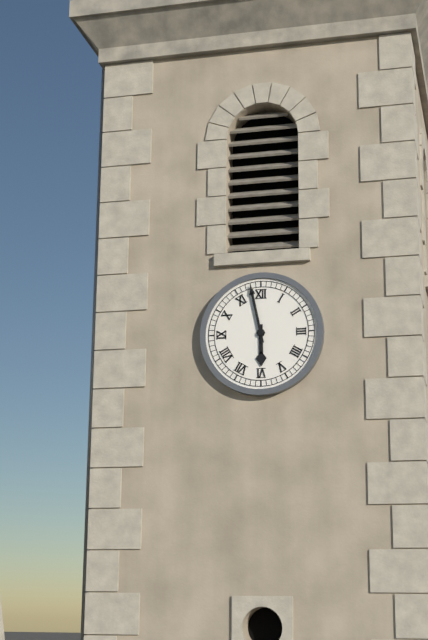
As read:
5.58
